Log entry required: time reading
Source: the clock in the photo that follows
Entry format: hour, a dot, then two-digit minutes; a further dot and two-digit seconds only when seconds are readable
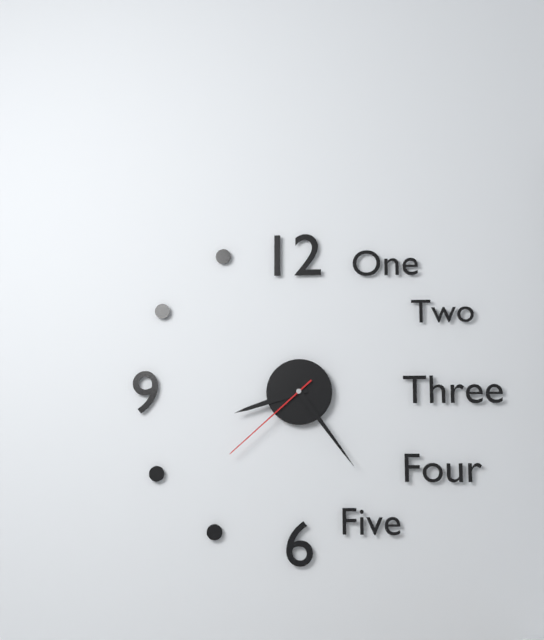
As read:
8.24.38
